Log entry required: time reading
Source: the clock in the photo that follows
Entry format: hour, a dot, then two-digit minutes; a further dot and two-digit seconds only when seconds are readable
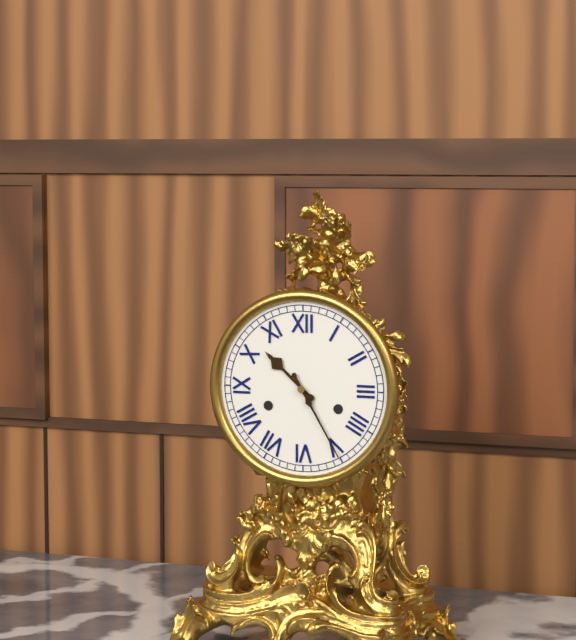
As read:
10.25
